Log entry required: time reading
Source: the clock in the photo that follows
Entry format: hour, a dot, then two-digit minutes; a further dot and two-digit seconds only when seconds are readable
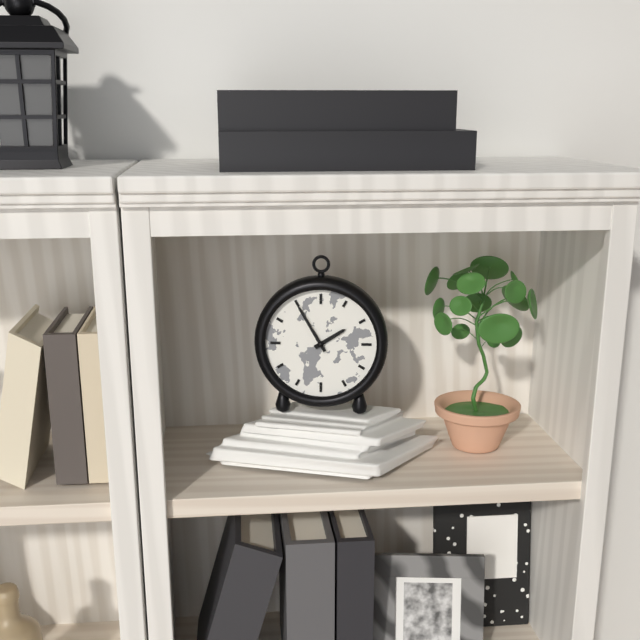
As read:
1.55
